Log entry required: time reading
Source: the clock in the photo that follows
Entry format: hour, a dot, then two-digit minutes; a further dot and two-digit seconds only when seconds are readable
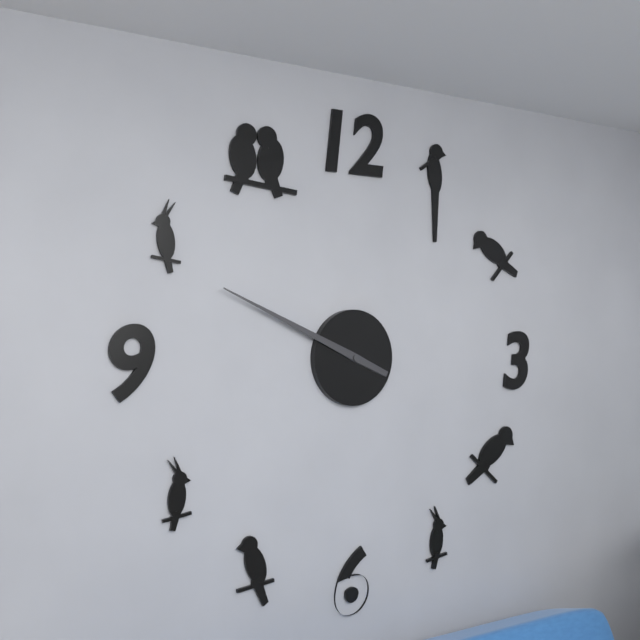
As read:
9.49
